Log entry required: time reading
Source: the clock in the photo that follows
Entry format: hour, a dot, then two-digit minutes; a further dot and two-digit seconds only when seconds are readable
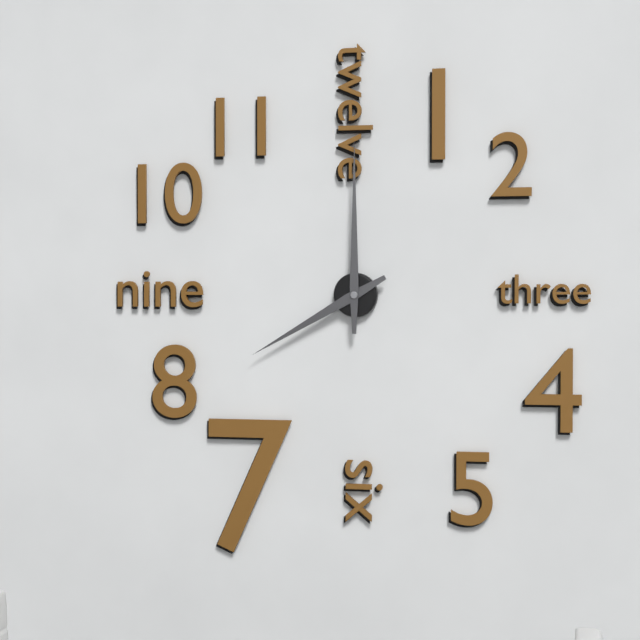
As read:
8.00
